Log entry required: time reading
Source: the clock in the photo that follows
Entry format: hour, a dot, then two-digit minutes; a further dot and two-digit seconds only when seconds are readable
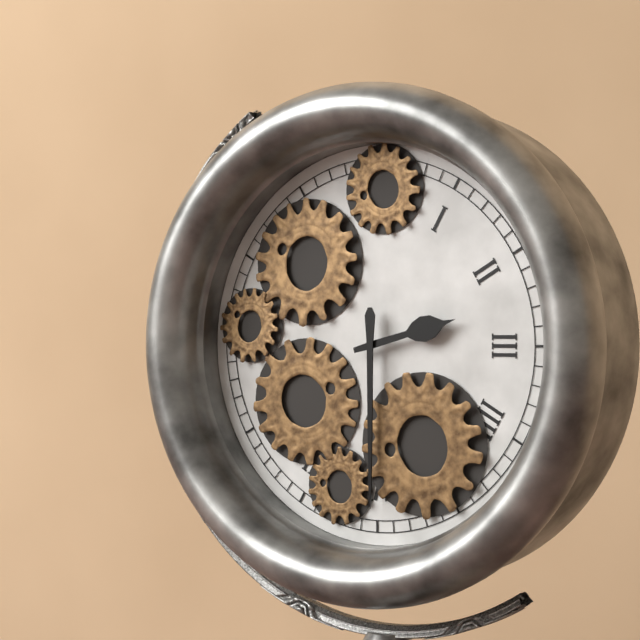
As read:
2.30
